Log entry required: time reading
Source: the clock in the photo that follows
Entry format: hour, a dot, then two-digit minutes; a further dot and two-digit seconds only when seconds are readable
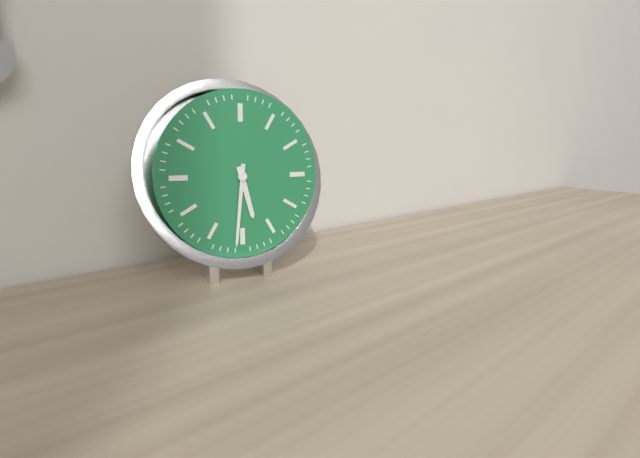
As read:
5.31
